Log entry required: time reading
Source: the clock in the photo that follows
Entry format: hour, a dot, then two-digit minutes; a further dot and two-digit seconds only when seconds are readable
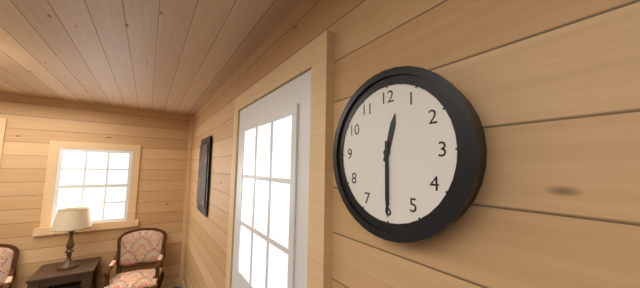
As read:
12.30
